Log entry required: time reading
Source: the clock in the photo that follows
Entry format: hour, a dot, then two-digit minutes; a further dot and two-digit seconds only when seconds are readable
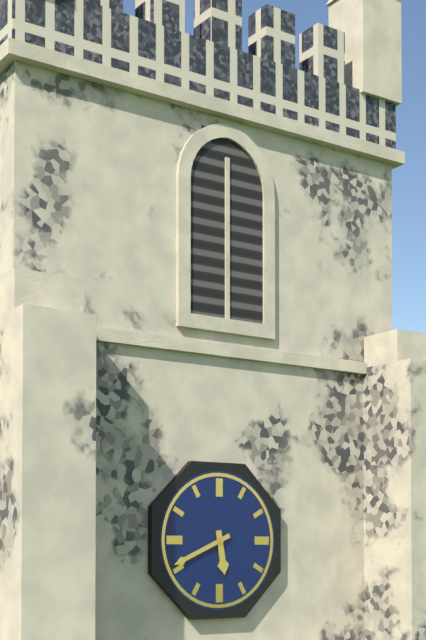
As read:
5.41
